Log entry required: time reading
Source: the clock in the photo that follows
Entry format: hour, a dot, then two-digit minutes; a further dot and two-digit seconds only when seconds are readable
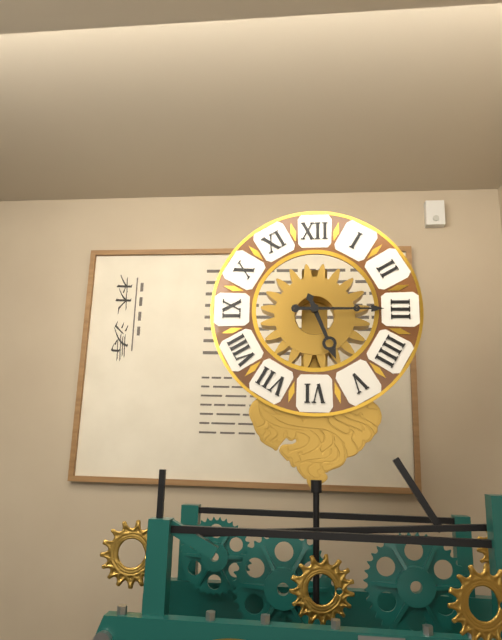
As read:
5.15
